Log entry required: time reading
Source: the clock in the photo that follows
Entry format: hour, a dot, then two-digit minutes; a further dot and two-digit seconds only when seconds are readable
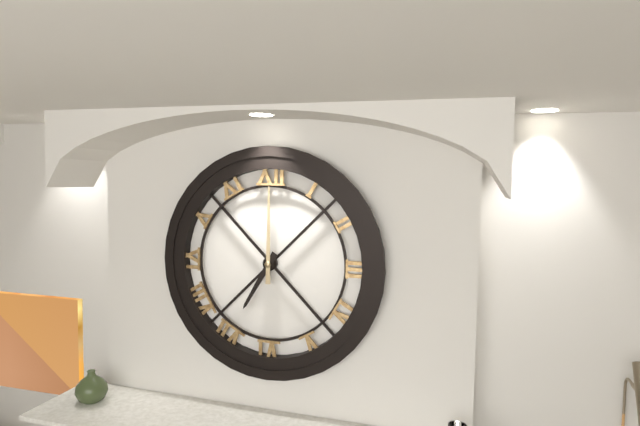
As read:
7.00
